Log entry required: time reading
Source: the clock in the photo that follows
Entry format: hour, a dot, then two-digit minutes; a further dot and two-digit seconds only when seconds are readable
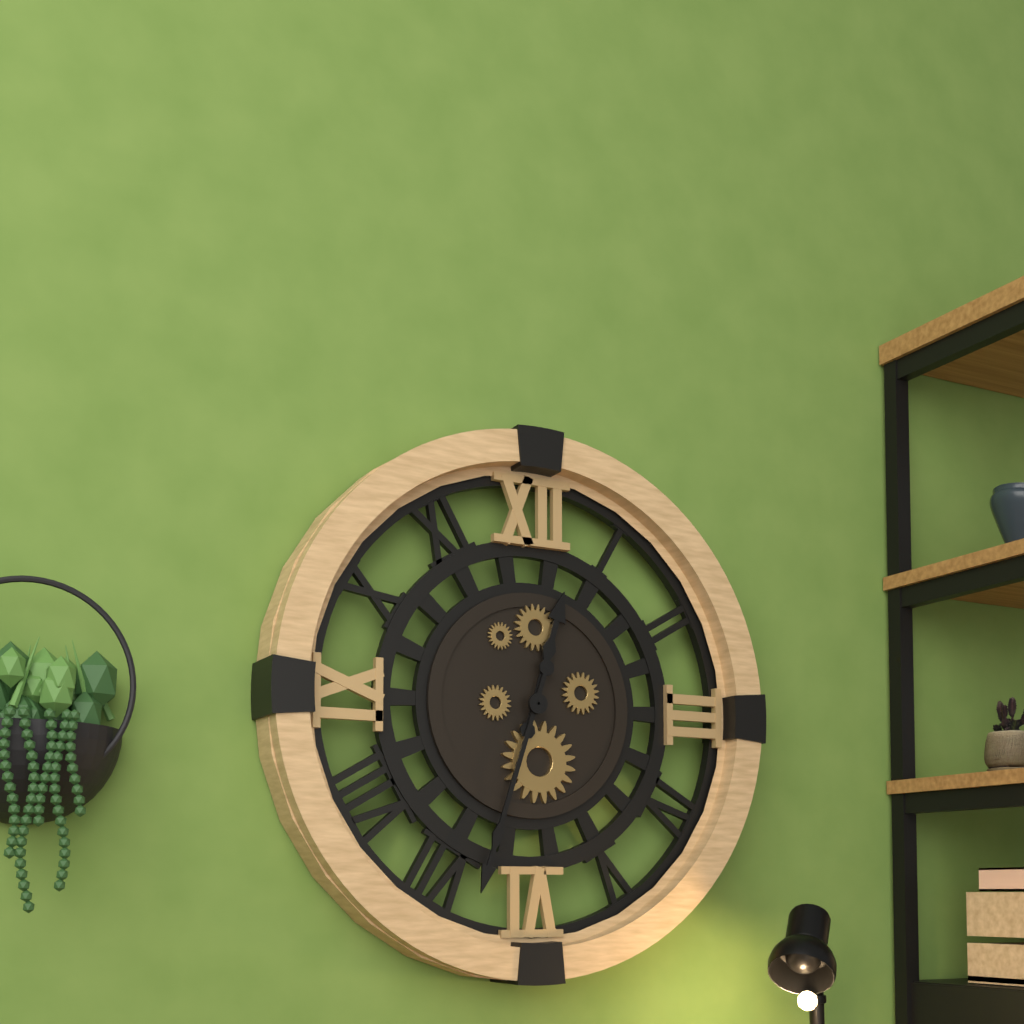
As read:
12.33
